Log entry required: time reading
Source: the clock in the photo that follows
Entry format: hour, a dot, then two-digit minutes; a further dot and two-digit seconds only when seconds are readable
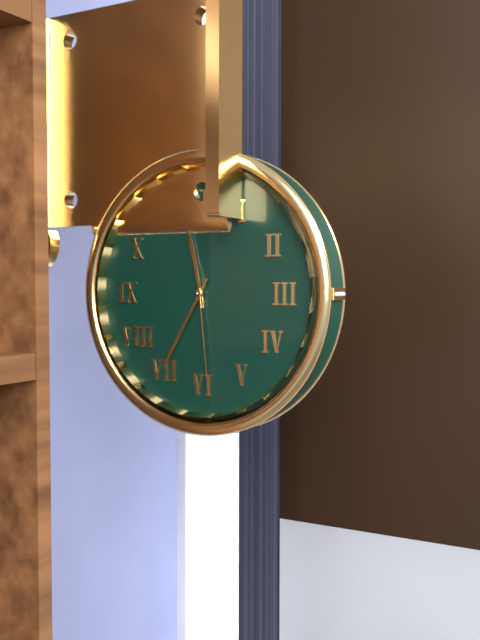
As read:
11.35.29
